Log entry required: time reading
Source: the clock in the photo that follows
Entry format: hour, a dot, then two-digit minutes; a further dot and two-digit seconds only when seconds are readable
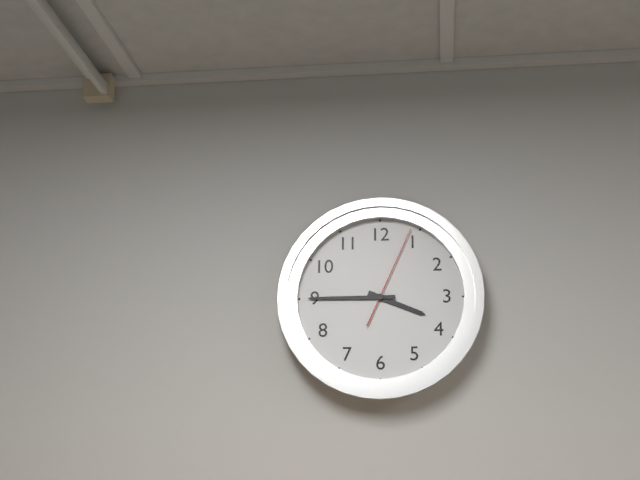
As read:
3.45.04
